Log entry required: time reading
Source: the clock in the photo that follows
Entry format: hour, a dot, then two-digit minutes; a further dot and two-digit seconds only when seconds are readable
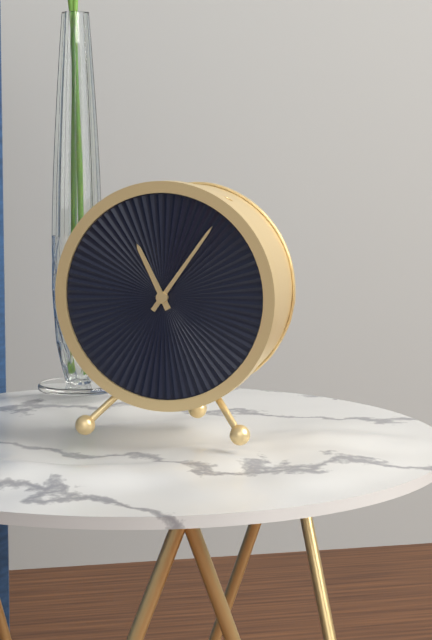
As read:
11.06
